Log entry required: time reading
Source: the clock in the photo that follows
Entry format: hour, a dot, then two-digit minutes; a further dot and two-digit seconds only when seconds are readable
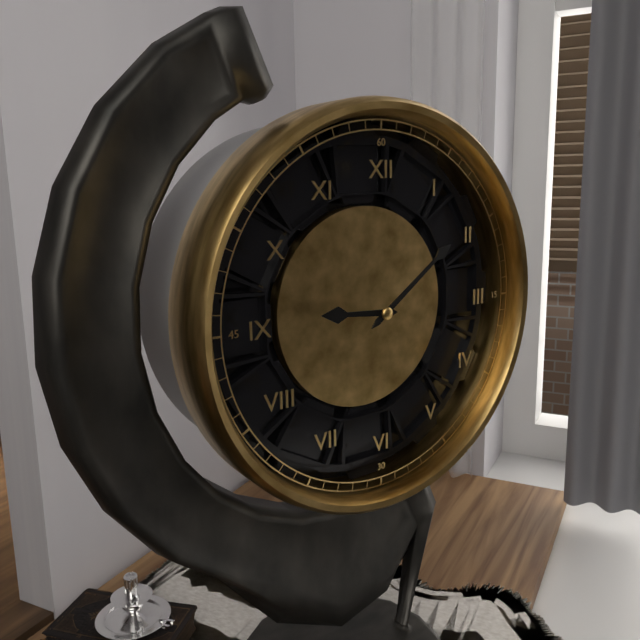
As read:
9.09
